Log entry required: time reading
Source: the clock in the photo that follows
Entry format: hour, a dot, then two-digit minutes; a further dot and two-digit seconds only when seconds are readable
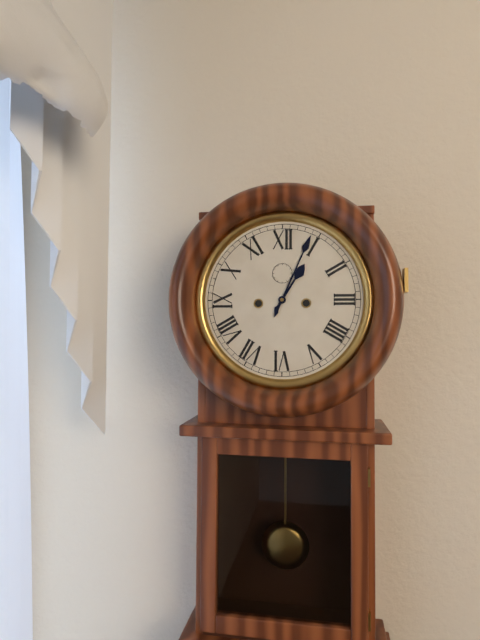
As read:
1.04
